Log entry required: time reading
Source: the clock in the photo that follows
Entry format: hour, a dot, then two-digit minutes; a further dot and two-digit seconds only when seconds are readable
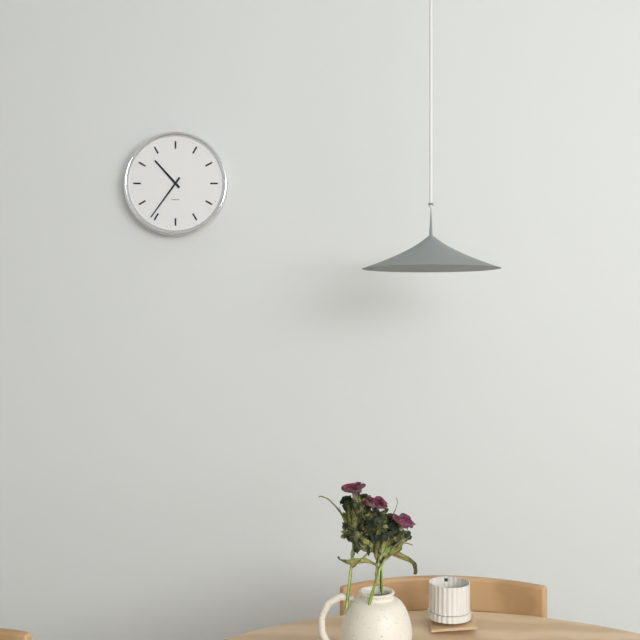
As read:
10.36
